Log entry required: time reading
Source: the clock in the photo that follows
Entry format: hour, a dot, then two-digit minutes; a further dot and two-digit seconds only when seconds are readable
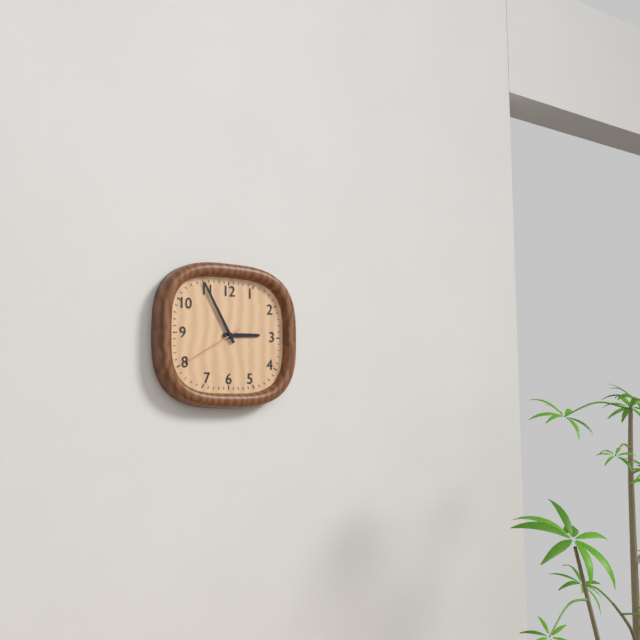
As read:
2.55.40
